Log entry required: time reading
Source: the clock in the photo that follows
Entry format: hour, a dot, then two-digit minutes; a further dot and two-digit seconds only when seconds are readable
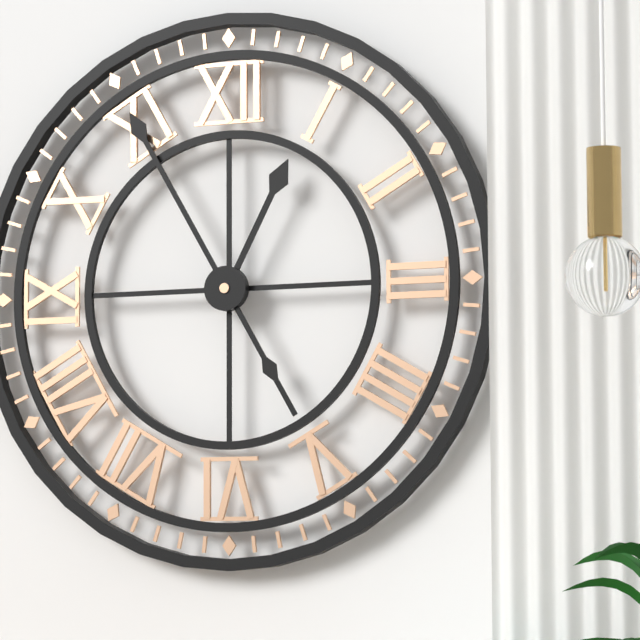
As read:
12.55
